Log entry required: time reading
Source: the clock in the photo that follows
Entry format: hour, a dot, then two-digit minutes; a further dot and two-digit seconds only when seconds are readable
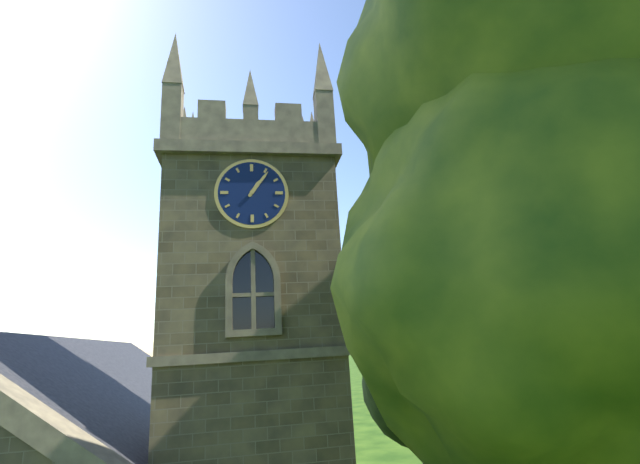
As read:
1.06
